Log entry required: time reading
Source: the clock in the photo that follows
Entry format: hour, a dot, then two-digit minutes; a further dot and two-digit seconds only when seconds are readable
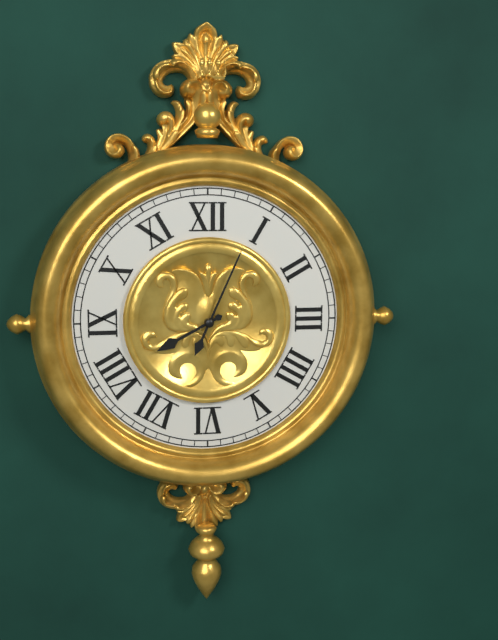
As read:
8.04
